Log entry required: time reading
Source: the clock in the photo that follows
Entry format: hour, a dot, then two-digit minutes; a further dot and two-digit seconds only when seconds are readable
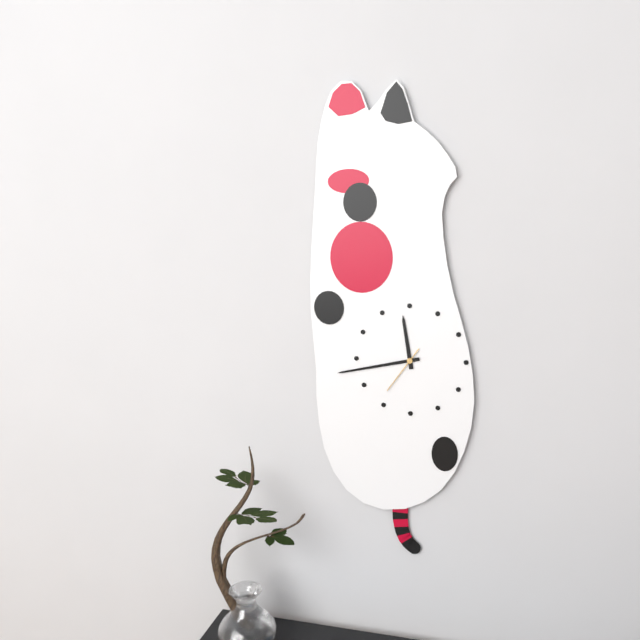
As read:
11.43
